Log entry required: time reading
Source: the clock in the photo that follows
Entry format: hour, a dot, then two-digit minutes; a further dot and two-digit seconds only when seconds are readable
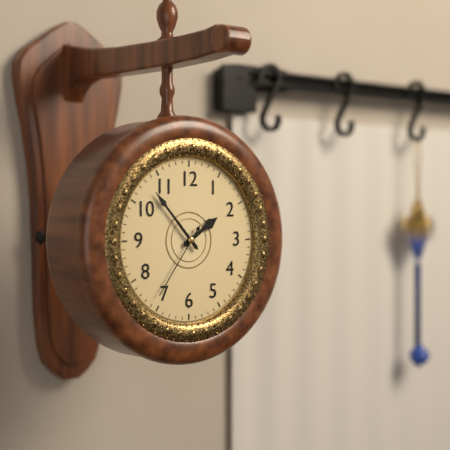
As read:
1.53.36
